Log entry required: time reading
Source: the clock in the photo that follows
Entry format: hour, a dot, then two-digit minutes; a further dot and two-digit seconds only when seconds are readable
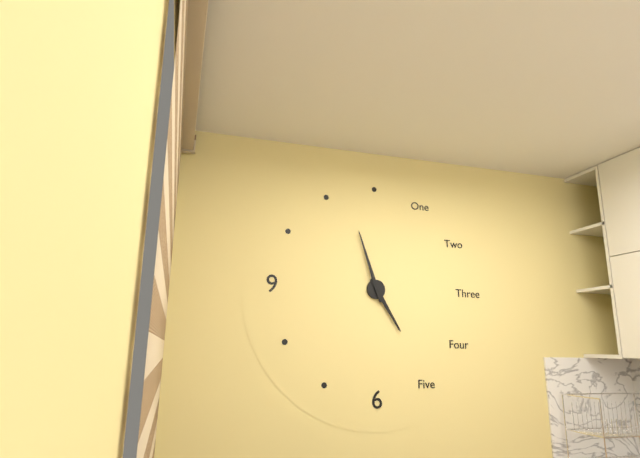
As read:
4.57
